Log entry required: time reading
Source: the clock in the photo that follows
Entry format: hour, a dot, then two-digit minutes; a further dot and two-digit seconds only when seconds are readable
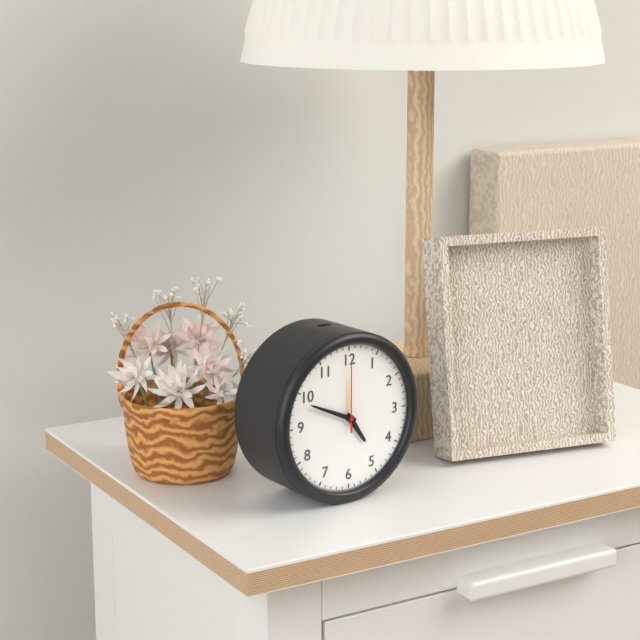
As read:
4.49.00
